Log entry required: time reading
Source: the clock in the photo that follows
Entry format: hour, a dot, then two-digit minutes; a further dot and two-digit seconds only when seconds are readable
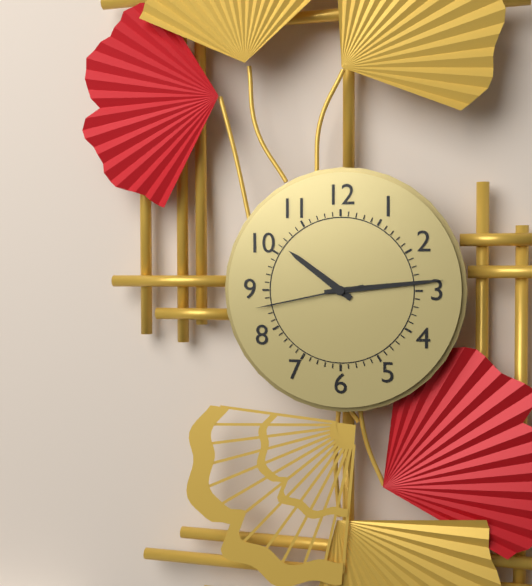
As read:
10.14.43
